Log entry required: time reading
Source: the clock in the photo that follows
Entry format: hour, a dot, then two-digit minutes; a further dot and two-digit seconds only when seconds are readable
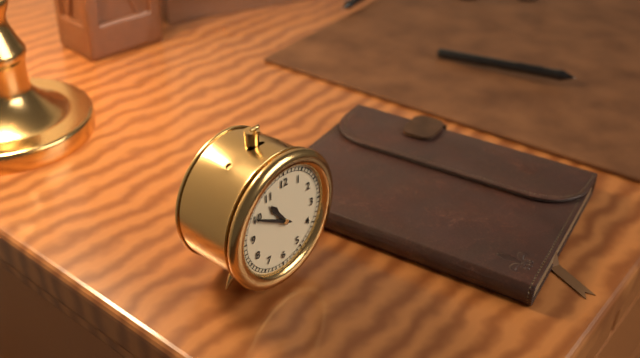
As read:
10.50
